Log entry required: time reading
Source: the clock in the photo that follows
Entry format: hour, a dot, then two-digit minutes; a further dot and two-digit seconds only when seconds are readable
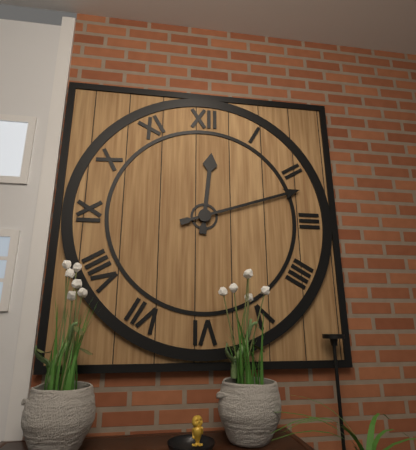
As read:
12.12
